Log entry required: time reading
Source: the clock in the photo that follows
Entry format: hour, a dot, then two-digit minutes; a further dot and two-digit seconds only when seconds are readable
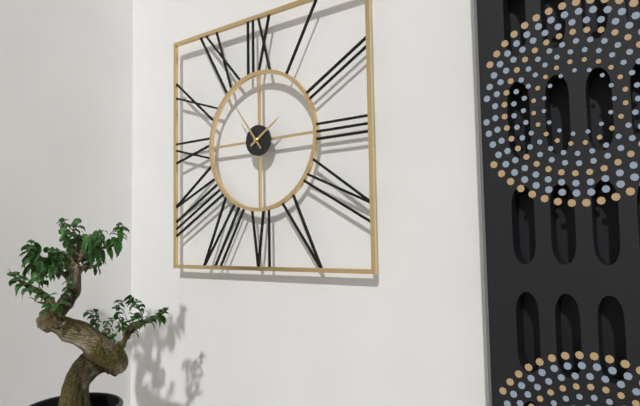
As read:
1.54
